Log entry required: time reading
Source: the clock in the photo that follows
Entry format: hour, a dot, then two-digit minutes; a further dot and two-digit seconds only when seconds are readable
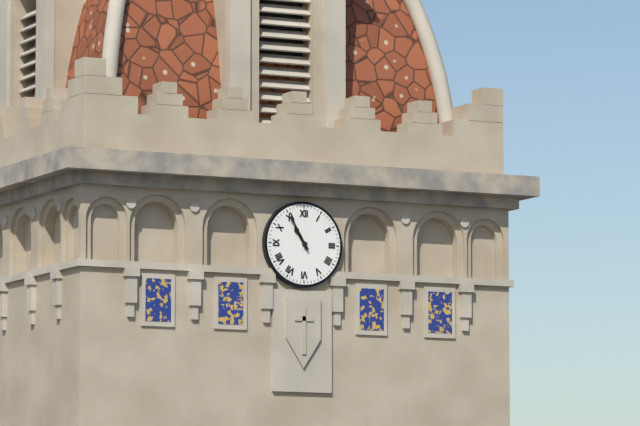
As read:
10.55
